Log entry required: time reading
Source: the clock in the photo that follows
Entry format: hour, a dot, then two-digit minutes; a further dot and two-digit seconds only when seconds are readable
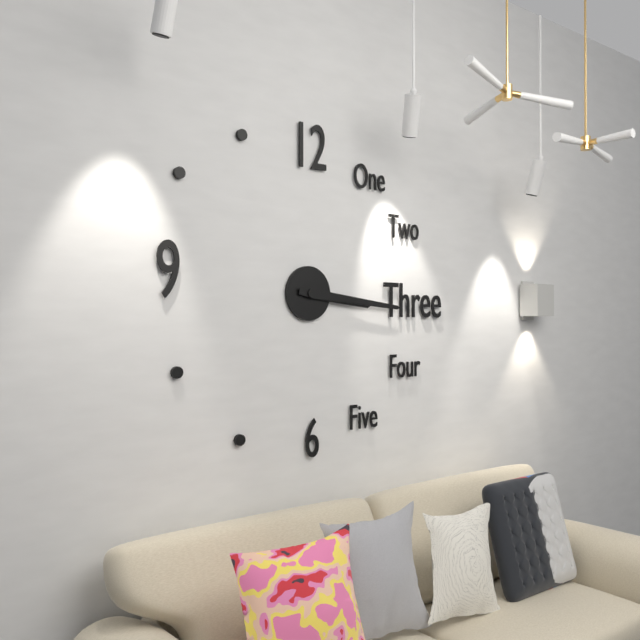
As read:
3.16
